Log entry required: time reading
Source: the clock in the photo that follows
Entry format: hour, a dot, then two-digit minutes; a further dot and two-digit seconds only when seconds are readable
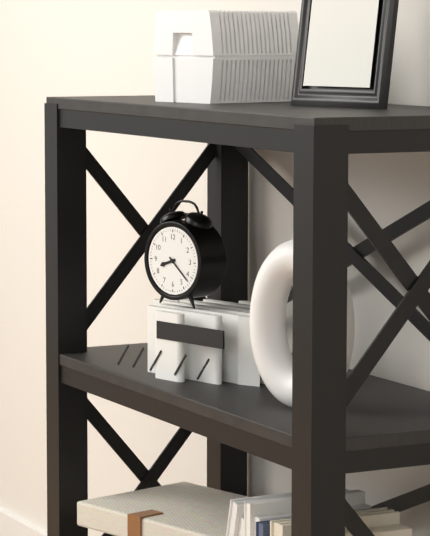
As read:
8.22
